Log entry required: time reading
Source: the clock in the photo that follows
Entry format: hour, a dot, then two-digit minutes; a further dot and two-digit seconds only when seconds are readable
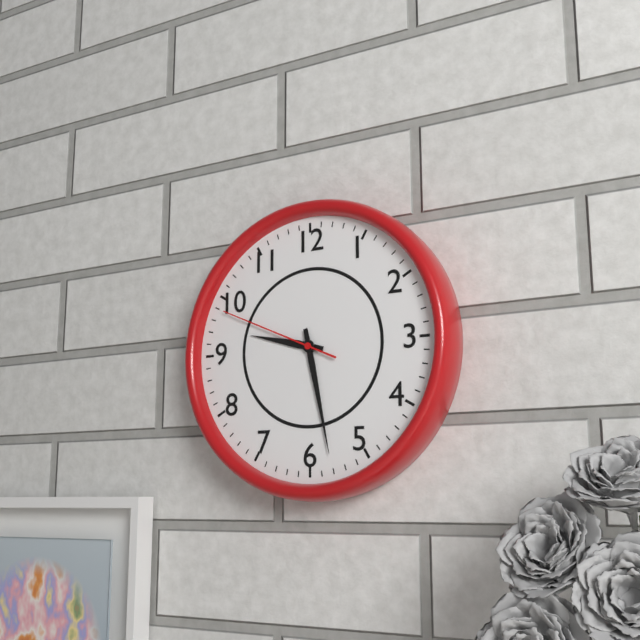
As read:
9.28.49
